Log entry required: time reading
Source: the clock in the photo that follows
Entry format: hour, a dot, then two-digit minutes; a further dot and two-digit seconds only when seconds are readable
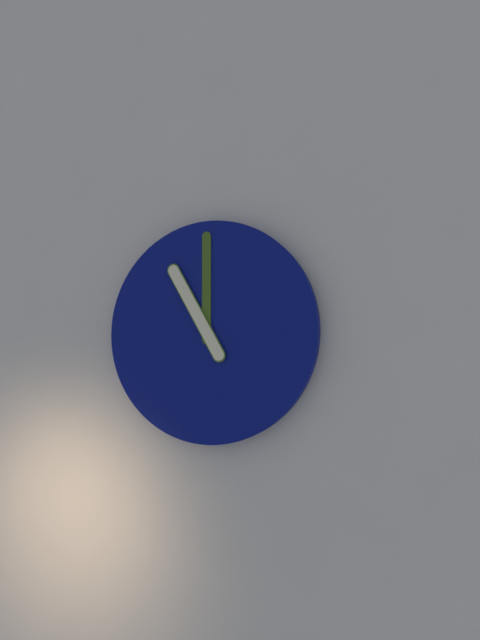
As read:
11.00
